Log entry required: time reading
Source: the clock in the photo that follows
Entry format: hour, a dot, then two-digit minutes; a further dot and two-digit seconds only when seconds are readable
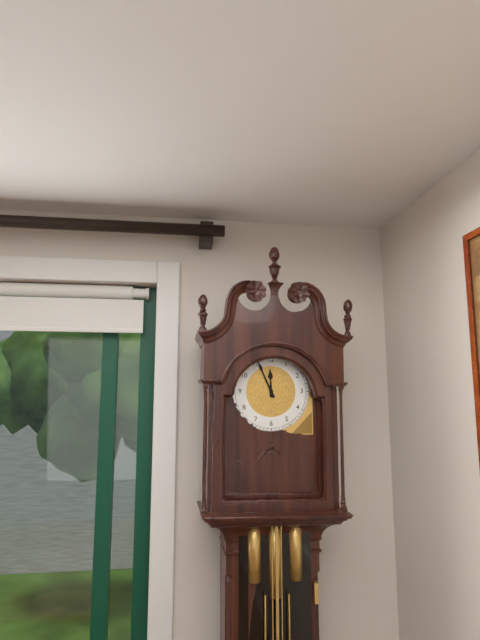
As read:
11.56
